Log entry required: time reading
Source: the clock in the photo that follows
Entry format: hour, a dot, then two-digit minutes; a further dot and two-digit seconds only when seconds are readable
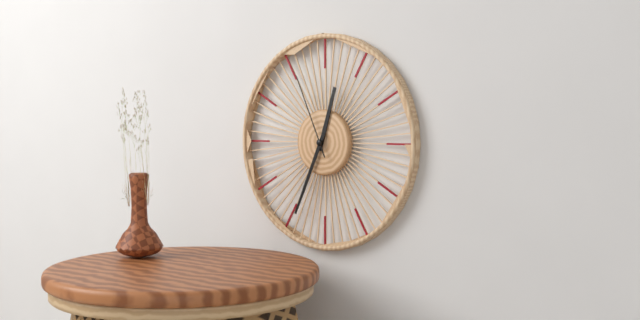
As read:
12.34.56
